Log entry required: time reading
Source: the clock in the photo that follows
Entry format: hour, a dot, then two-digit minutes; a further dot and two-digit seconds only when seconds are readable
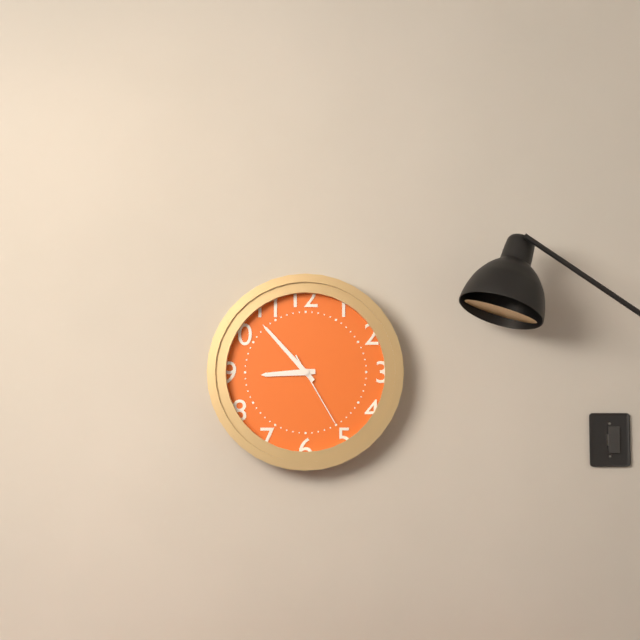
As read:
8.53.25
